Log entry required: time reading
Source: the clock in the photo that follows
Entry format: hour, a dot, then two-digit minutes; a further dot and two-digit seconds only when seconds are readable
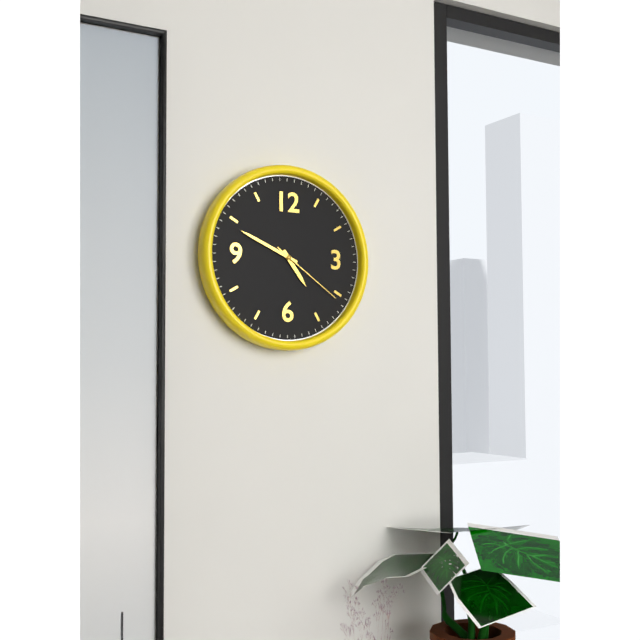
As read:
4.49.21
